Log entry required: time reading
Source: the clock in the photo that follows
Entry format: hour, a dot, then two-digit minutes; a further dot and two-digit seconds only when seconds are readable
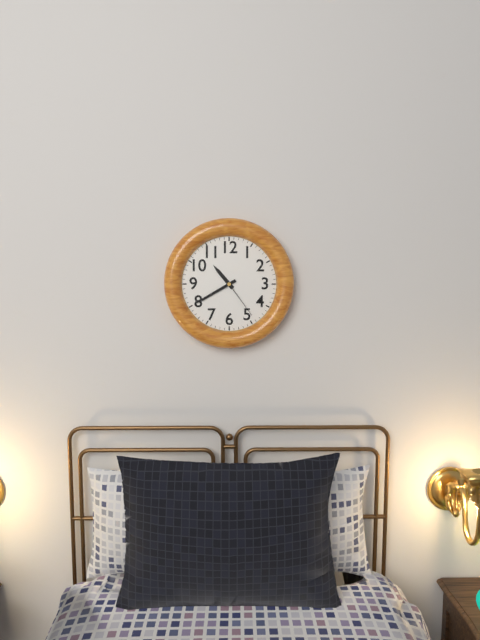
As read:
10.40
